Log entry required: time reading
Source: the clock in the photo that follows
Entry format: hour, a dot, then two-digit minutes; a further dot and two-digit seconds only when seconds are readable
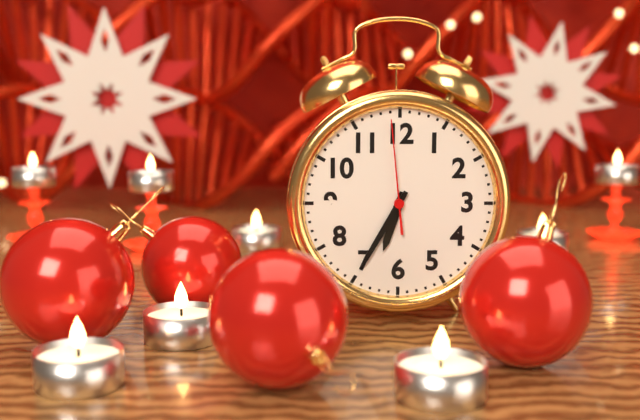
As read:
6.35.59
